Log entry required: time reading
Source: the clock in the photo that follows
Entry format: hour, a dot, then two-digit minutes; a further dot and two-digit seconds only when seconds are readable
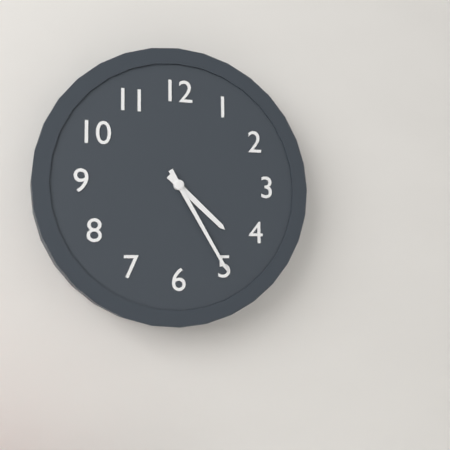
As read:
4.25
